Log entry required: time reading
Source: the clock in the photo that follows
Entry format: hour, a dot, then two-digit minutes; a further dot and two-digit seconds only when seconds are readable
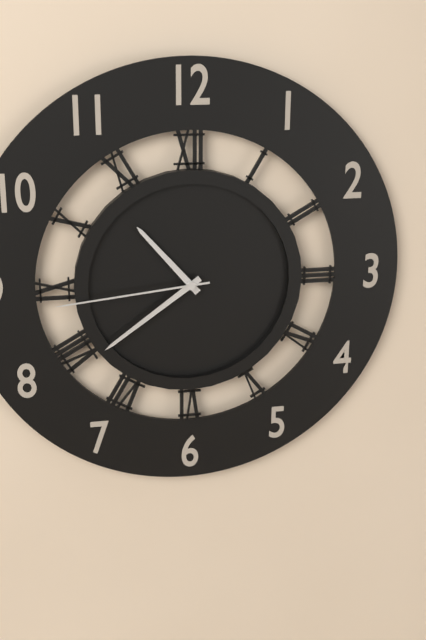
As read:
10.39.44
